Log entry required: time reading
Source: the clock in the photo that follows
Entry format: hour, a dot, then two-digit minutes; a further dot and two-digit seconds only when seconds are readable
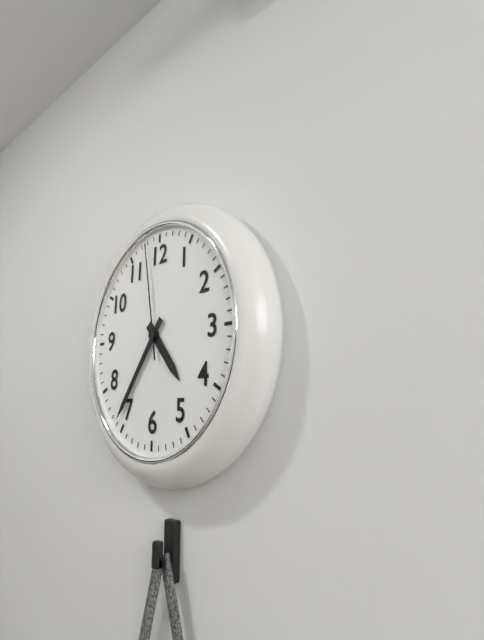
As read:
4.36.58
